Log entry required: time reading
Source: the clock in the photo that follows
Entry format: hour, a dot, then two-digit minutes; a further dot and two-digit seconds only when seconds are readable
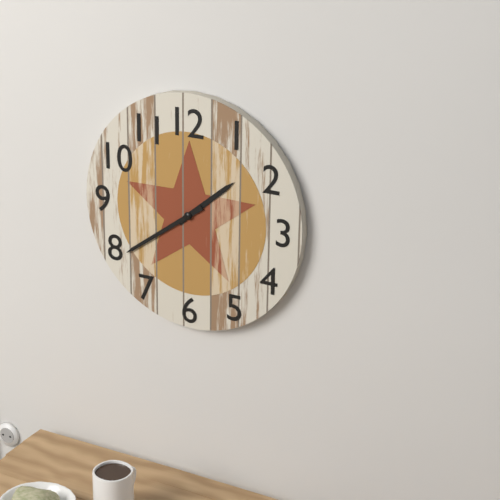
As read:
1.39
